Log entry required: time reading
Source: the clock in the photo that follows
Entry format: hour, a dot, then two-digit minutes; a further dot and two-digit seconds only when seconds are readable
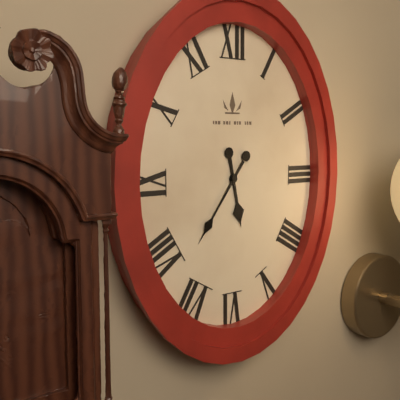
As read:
5.36
